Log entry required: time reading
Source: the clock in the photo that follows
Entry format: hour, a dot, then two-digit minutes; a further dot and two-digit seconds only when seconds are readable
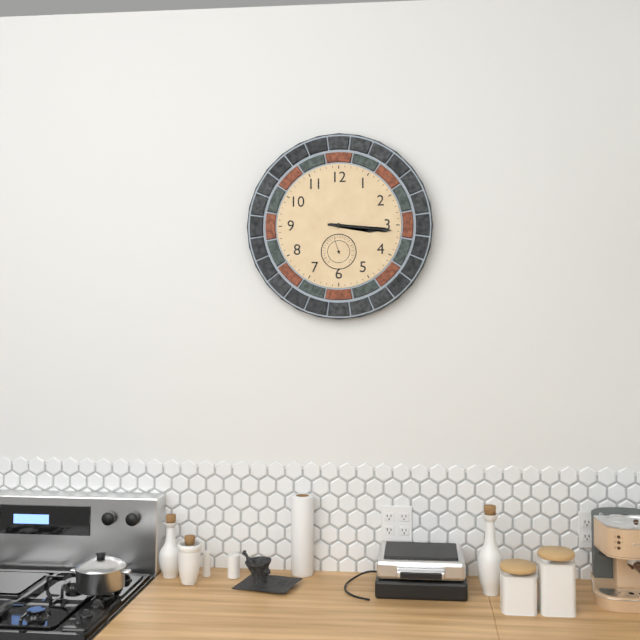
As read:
3.16
